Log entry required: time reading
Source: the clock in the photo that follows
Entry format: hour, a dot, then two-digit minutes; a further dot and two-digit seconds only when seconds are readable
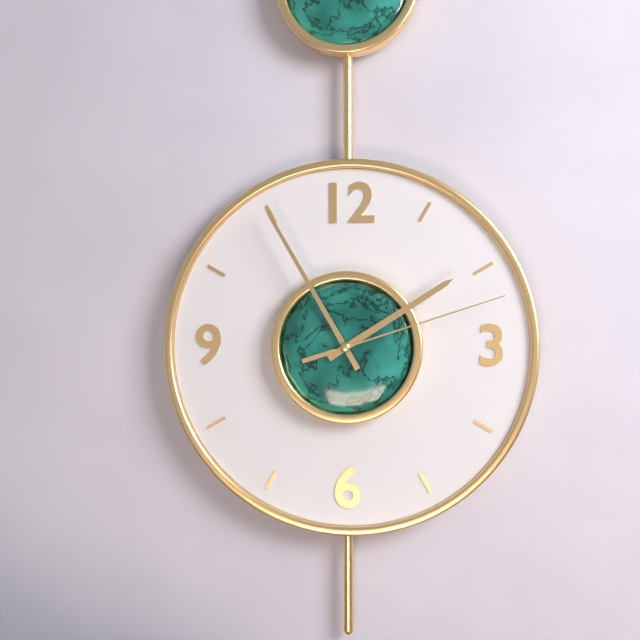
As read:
1.55.12
